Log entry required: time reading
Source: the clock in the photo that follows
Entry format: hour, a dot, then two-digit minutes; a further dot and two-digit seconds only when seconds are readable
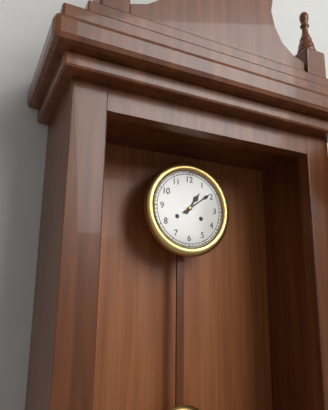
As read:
1.09
